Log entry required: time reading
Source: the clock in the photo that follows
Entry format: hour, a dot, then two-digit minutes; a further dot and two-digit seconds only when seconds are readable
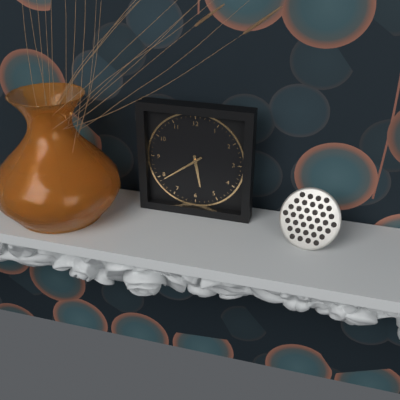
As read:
5.39
